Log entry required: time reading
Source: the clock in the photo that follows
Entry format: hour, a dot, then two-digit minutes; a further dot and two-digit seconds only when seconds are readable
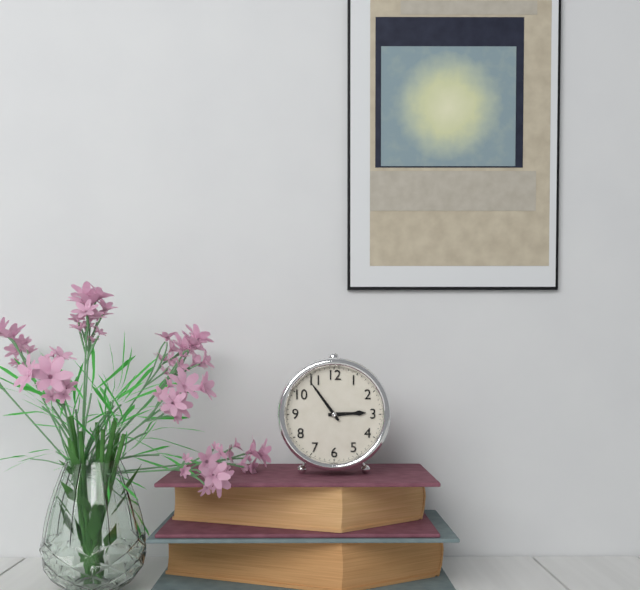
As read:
2.54
